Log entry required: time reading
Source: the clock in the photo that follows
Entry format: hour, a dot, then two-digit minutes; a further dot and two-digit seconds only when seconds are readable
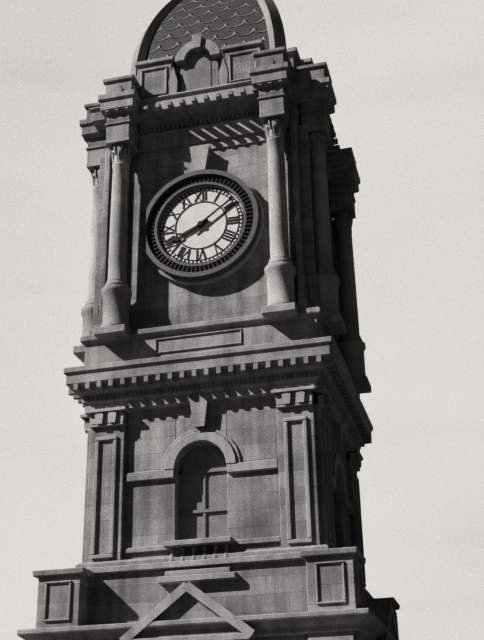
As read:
8.09
